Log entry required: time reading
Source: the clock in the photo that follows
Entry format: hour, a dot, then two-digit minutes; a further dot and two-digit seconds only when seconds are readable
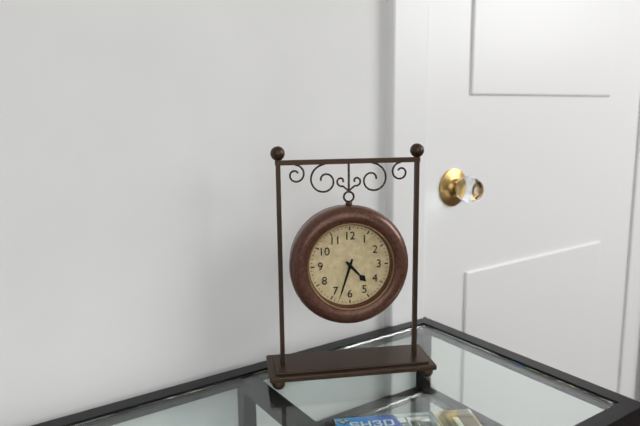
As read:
4.33
